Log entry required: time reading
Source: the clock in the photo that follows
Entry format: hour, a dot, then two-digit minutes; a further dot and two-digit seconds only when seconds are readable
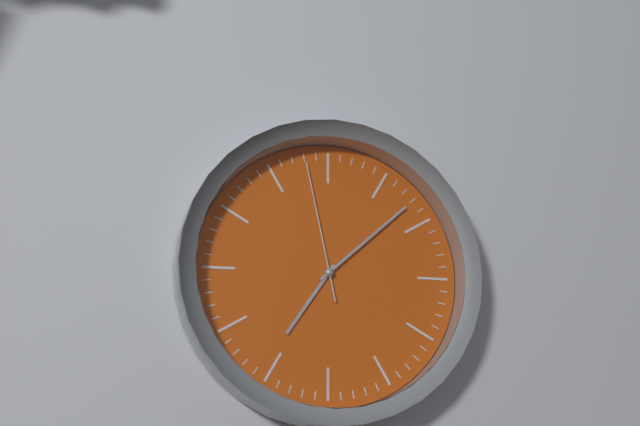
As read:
7.08.58
